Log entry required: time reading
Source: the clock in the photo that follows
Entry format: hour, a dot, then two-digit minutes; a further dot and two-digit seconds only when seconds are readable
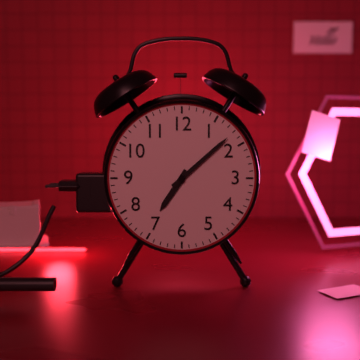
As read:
7.08
